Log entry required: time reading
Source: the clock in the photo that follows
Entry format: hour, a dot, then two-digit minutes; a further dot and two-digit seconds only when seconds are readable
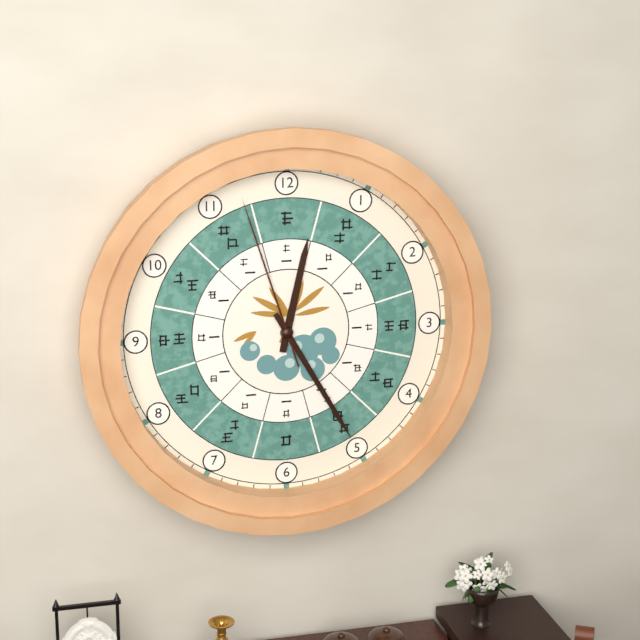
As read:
12.25.57
